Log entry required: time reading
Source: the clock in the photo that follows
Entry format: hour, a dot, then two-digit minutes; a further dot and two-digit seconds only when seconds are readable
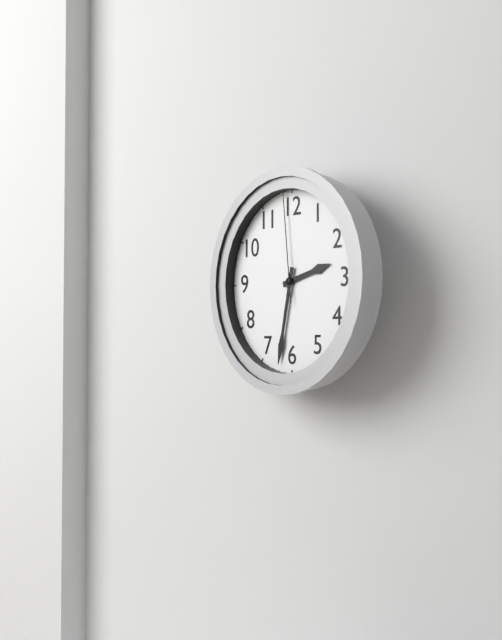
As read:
2.32.59
